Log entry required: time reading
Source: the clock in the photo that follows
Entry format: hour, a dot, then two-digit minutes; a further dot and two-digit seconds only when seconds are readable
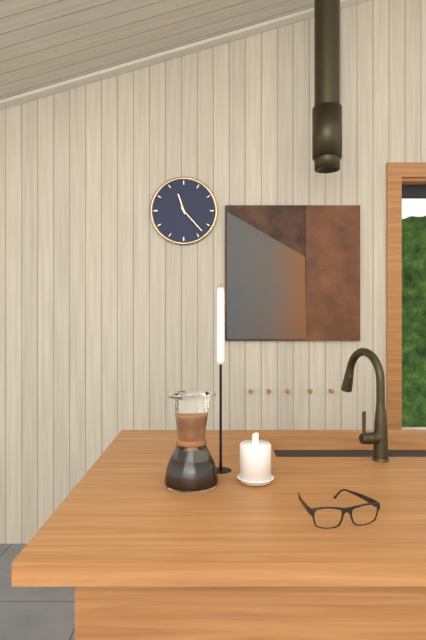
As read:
11.23
